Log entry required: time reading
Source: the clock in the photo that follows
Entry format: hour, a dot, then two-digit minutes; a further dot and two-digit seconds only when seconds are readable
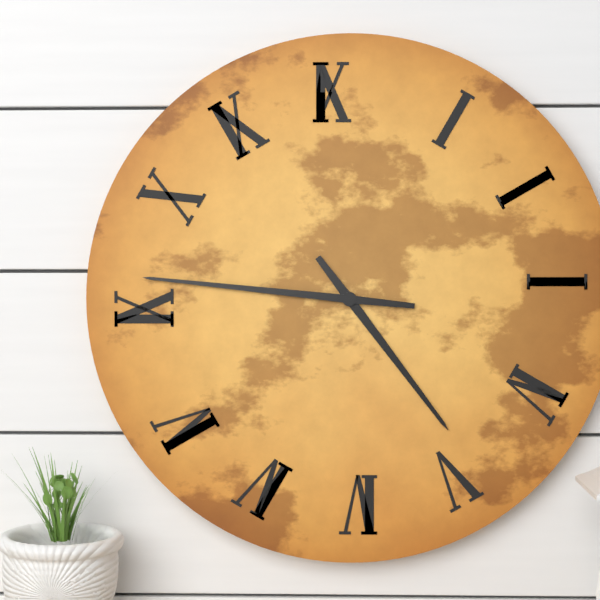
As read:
4.46
